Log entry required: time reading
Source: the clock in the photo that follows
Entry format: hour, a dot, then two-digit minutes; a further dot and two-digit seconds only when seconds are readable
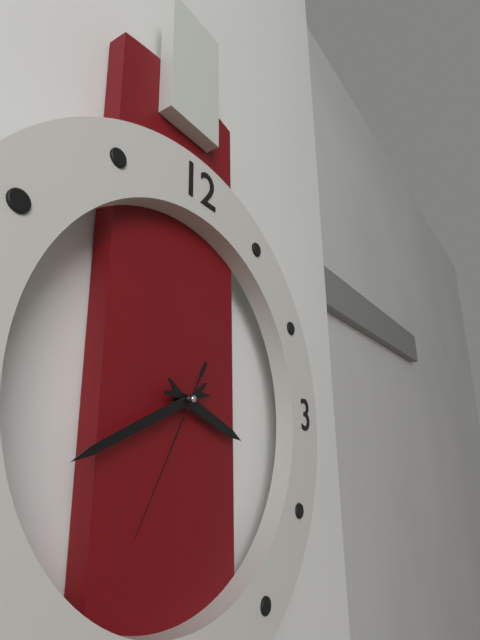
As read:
3.41.35
